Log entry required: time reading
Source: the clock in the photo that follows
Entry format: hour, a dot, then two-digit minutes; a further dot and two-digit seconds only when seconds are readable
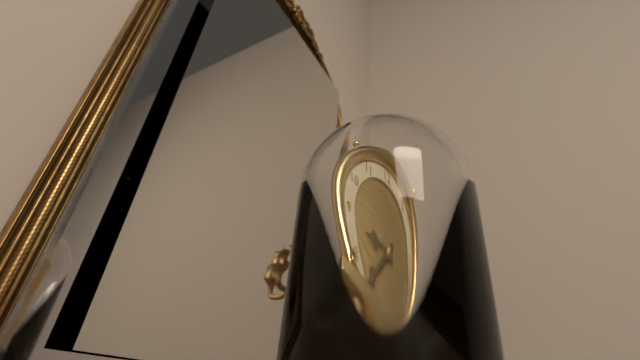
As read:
8.37
